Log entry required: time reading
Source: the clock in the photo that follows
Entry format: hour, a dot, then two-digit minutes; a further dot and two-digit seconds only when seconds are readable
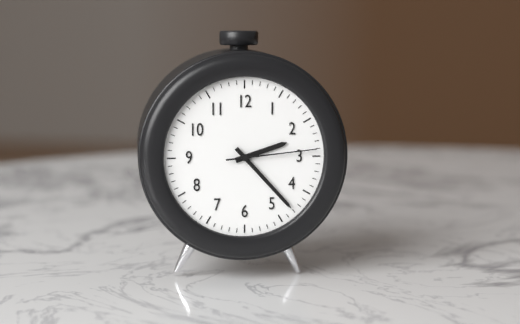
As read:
2.23.14
